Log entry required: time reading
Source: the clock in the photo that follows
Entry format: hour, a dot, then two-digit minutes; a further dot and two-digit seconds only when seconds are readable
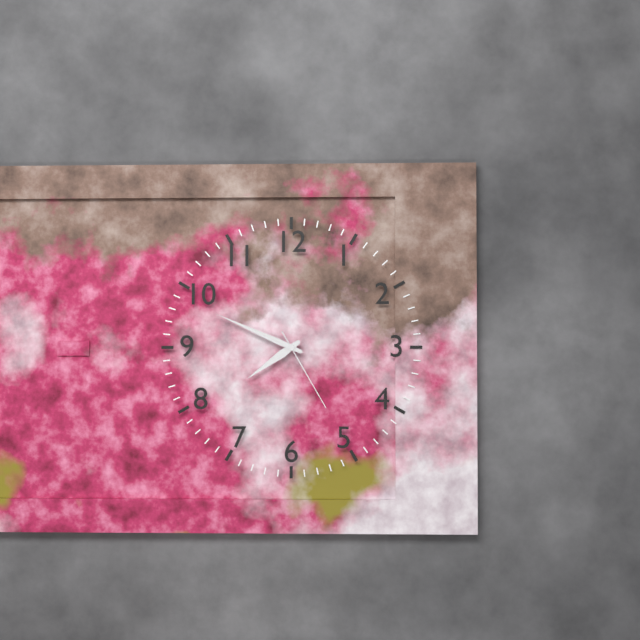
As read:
7.49.25
